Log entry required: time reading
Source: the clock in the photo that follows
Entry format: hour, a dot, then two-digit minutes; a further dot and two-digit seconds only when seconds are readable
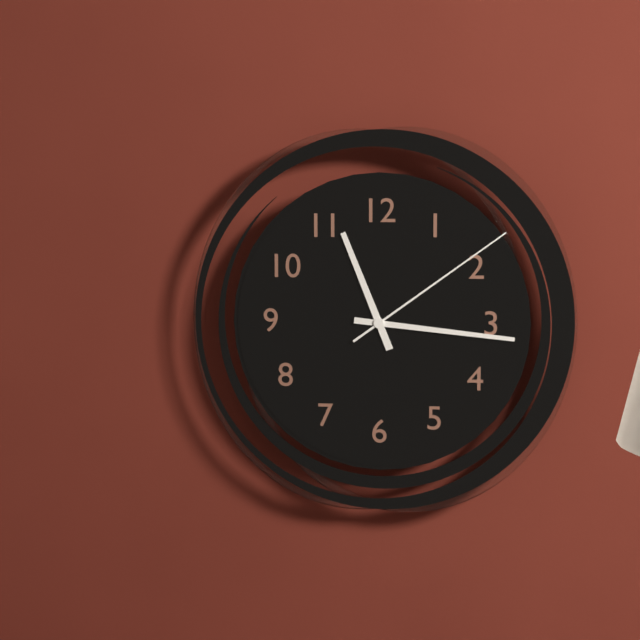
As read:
11.16.09
